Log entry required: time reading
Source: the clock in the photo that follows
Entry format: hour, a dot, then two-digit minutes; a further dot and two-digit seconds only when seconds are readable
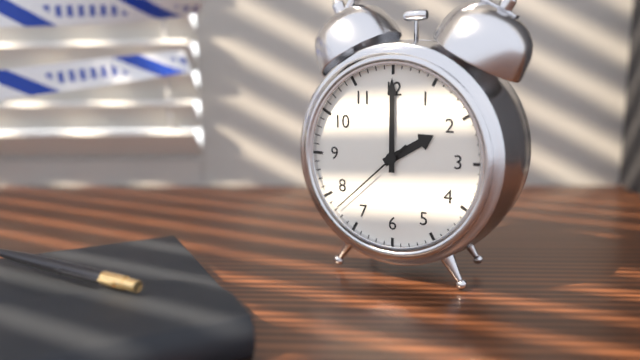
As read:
2.00.38
